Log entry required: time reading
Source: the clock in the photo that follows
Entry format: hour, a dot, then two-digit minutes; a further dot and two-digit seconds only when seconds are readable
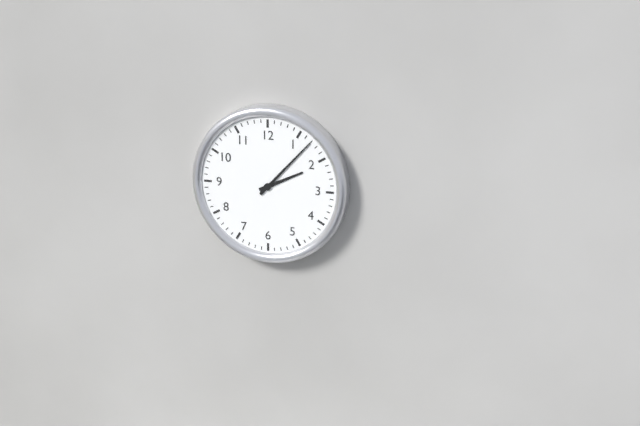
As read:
2.07
